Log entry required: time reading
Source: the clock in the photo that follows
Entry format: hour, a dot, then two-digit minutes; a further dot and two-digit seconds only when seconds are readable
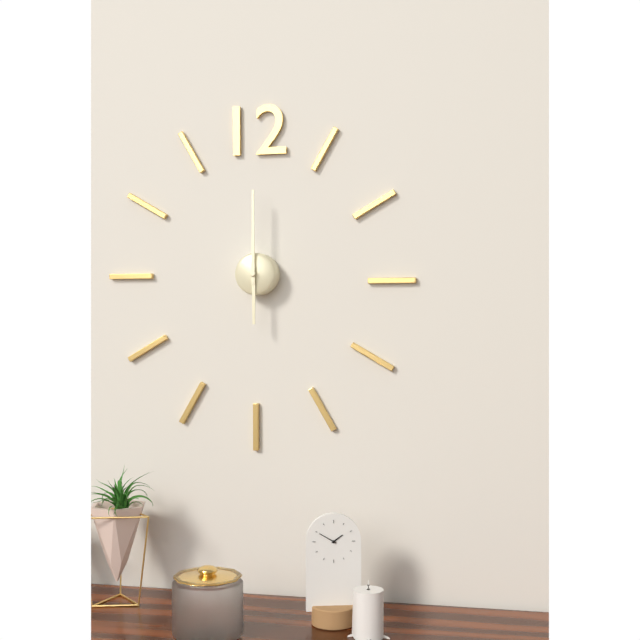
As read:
6.00
